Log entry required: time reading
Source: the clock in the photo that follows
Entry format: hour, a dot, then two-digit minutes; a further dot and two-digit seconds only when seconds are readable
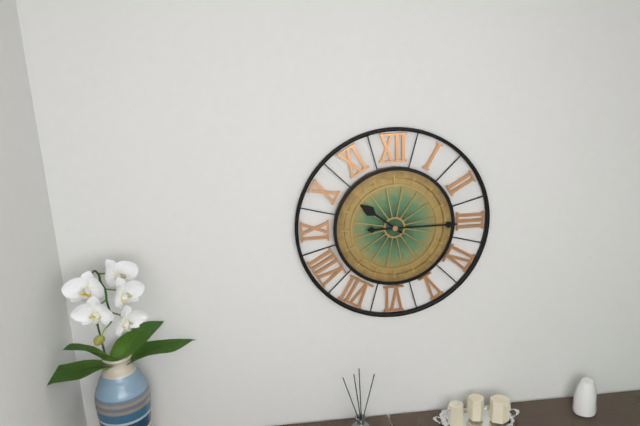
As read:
10.15
